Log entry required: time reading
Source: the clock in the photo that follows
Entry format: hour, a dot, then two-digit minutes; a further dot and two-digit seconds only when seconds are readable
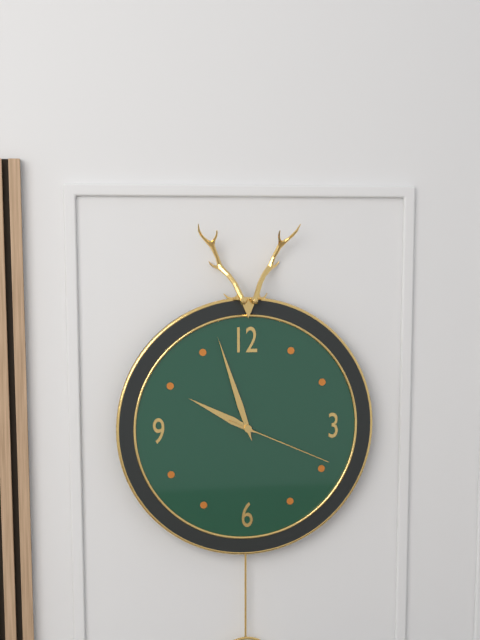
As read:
9.57.19
